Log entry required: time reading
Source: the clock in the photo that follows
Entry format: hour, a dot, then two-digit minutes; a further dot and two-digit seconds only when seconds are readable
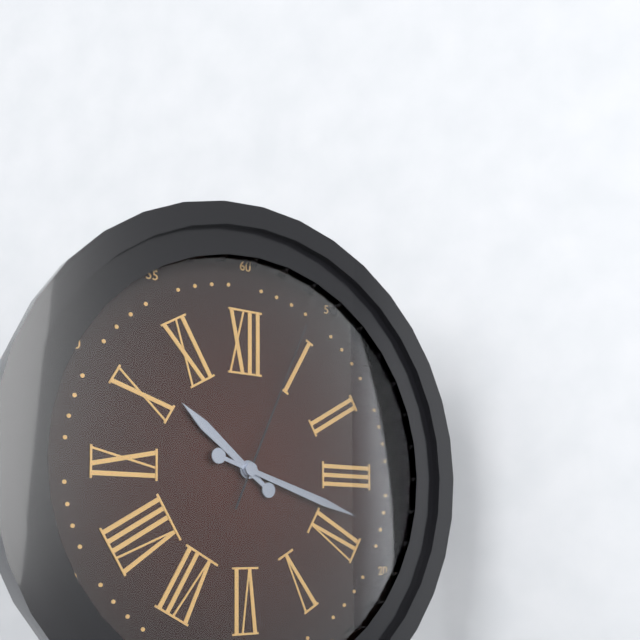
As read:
10.18.04
